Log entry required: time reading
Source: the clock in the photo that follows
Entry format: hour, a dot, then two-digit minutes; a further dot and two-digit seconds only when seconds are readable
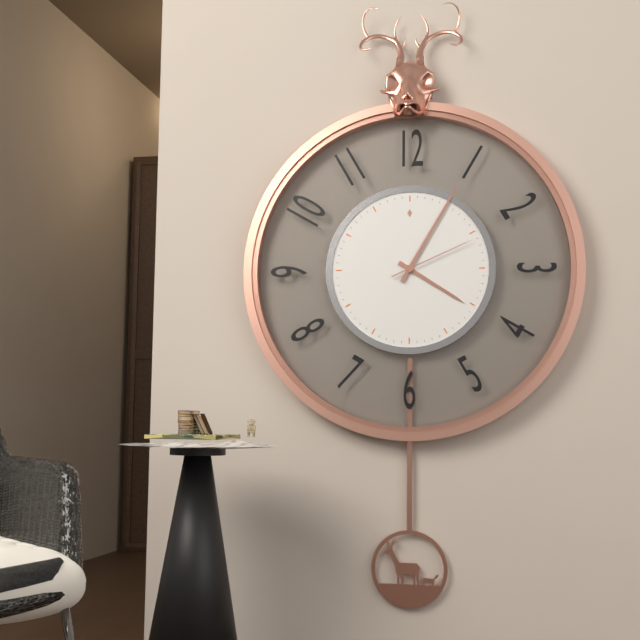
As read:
4.05.11
